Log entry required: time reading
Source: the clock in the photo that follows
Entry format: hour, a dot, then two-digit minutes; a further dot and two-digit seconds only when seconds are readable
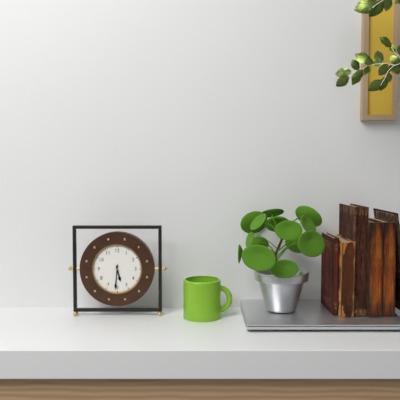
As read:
5.31
